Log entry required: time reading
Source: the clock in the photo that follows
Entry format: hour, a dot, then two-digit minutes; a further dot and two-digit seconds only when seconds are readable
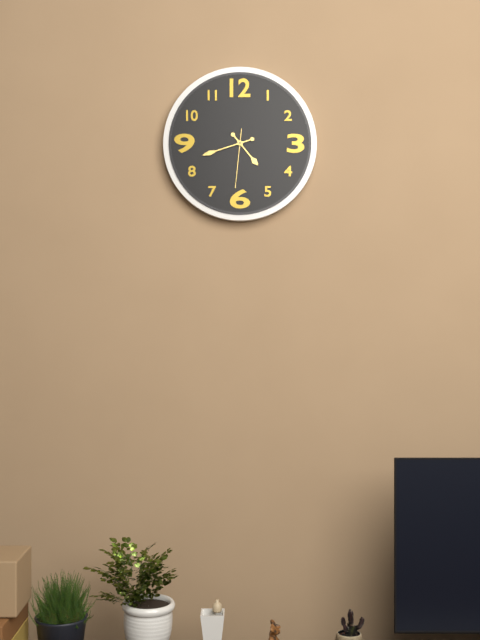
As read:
4.42.31
